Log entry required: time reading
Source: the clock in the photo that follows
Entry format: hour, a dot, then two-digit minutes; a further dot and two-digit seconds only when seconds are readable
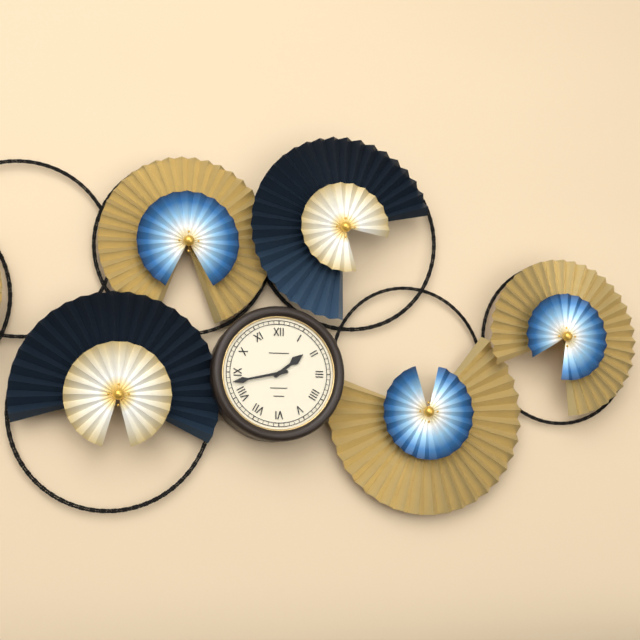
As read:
1.43
